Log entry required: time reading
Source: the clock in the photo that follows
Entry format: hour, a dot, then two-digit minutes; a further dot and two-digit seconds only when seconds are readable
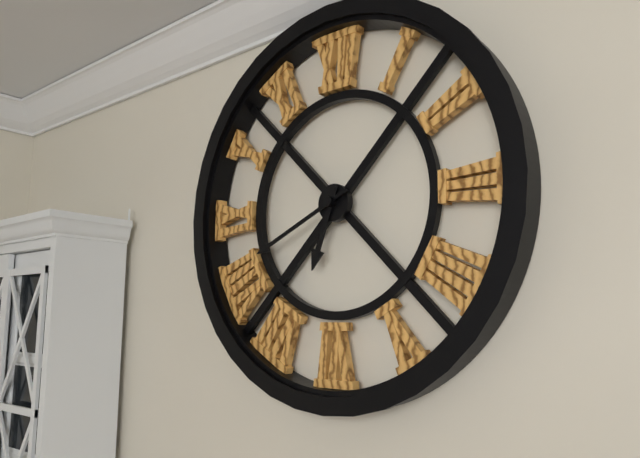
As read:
6.41
